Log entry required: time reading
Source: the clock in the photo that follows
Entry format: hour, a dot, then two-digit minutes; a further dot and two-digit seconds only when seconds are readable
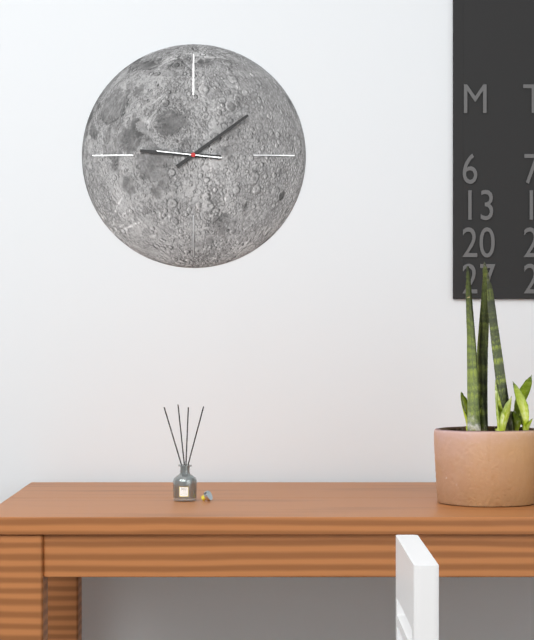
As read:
9.09
